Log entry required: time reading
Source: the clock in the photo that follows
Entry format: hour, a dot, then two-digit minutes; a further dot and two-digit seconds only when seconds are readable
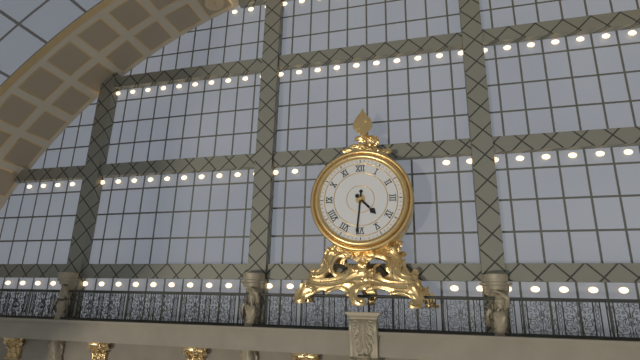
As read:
4.31
